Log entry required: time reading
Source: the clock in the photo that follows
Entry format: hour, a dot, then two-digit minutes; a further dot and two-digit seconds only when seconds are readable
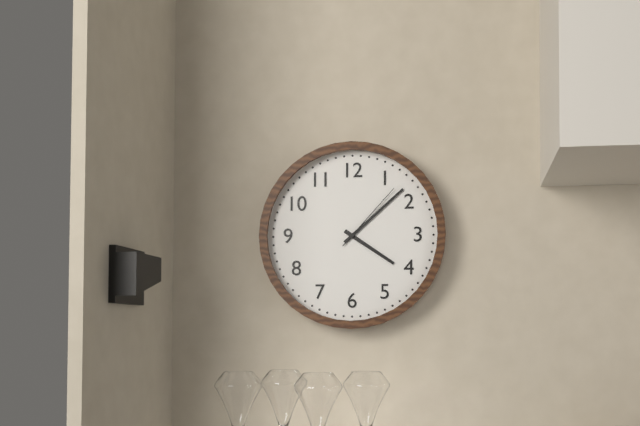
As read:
4.08.07
